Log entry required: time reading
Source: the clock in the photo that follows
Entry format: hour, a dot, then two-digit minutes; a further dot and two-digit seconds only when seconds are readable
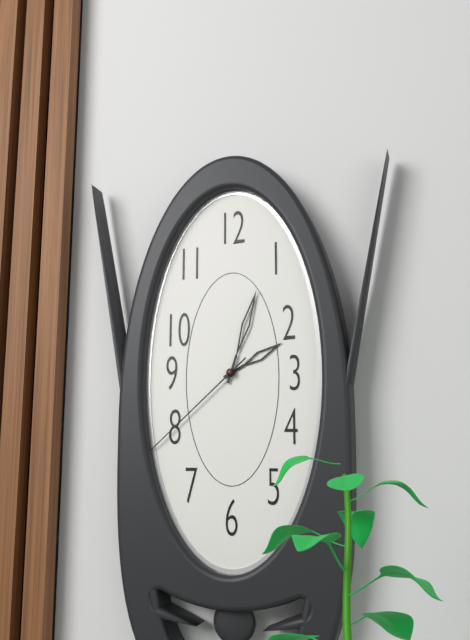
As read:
2.03.38
